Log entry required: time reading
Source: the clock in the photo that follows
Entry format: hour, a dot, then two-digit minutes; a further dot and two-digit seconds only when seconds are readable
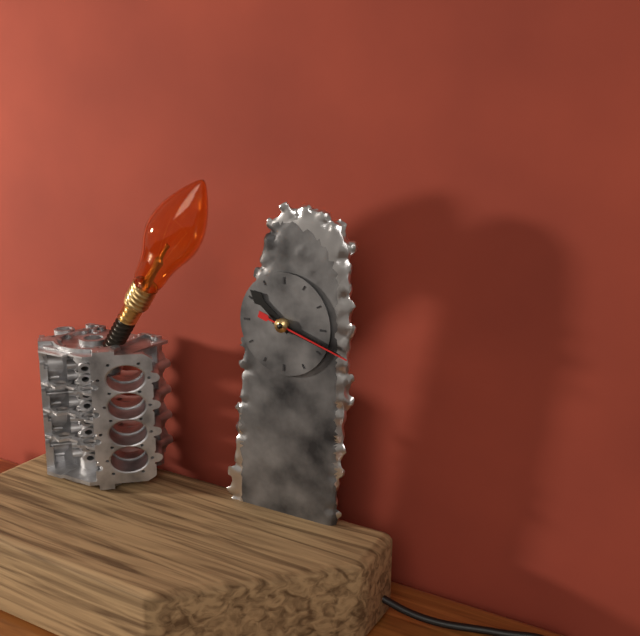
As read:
10.18.18
